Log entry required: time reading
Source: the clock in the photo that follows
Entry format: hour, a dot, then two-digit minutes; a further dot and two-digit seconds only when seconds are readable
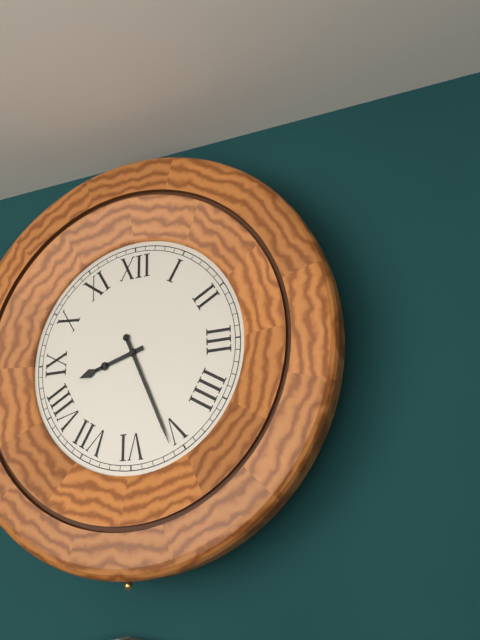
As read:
8.26
